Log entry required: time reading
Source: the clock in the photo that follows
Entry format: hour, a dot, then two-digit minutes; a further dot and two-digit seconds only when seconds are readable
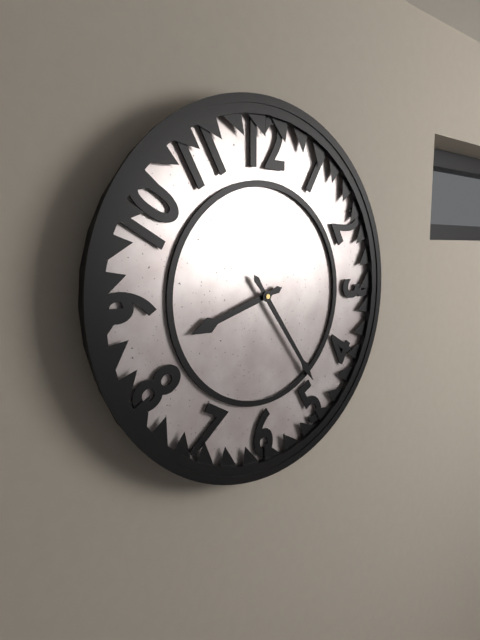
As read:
8.24
